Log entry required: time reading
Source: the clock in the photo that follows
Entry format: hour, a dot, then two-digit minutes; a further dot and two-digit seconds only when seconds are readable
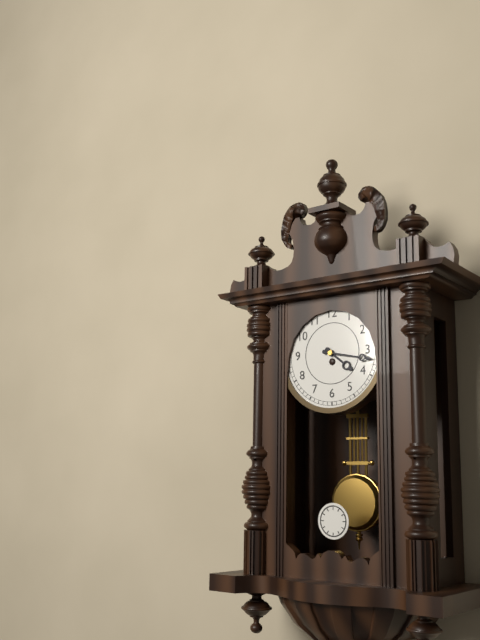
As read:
4.17
